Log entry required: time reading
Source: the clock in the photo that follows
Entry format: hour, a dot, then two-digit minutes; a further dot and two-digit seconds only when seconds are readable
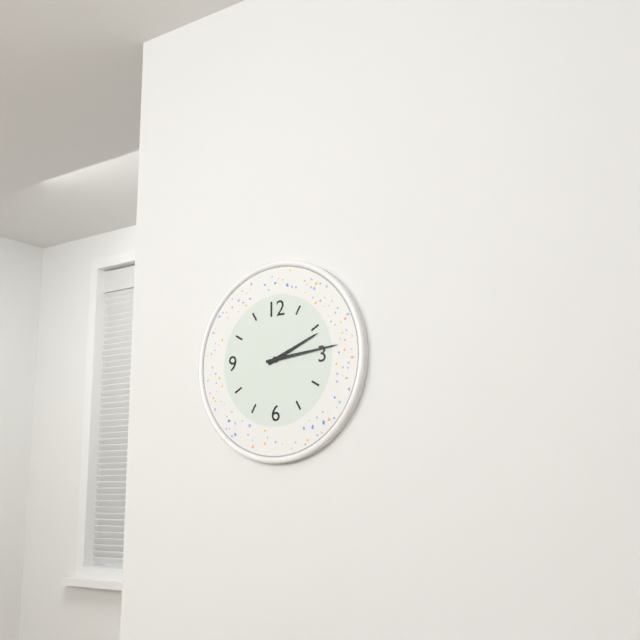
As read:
2.14
